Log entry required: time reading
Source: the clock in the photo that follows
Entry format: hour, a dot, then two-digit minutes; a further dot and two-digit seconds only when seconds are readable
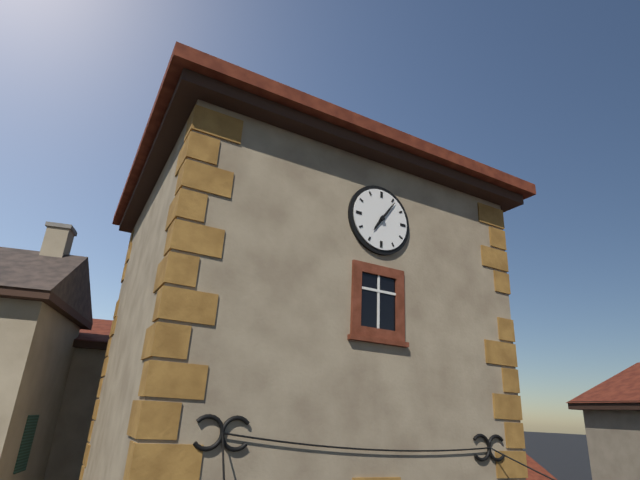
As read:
7.06
